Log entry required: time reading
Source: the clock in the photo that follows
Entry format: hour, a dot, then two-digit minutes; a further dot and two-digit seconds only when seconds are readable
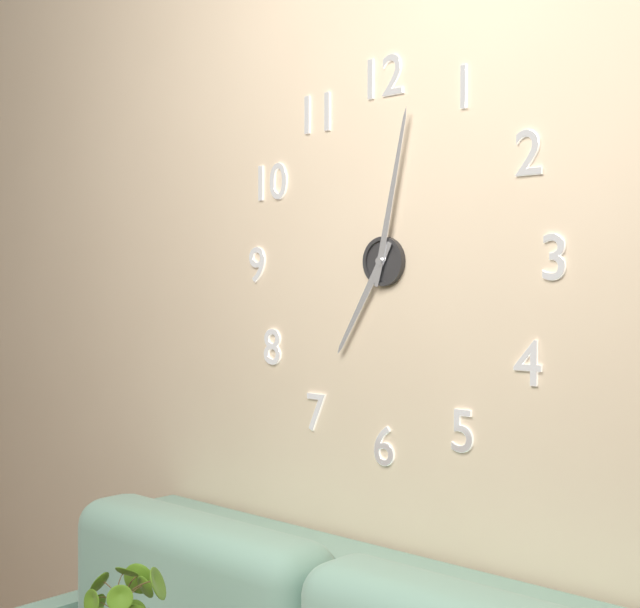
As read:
7.02
